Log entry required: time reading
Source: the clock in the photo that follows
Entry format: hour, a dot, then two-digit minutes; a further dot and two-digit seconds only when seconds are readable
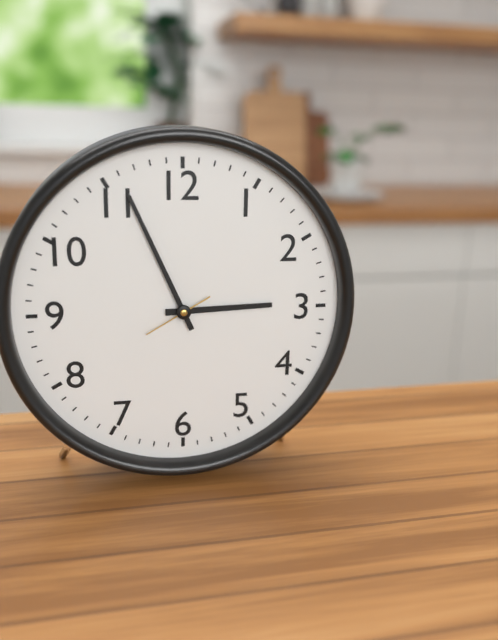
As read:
2.56.40
